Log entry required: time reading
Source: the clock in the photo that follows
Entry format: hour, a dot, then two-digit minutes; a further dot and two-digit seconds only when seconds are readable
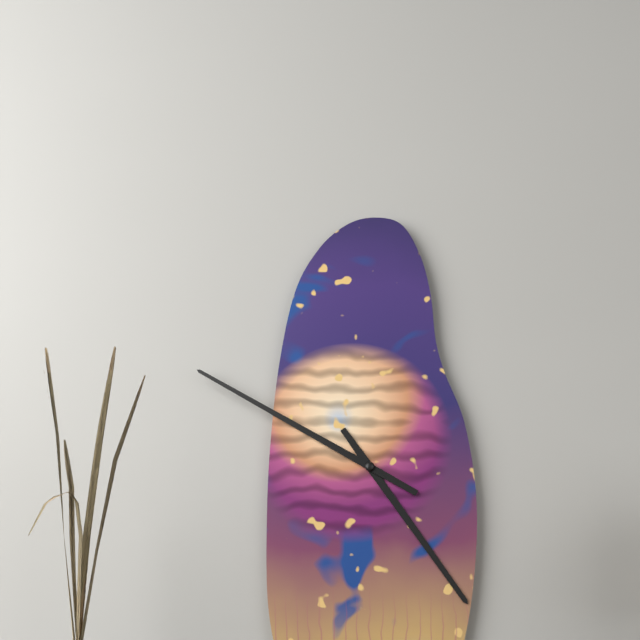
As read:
4.50
